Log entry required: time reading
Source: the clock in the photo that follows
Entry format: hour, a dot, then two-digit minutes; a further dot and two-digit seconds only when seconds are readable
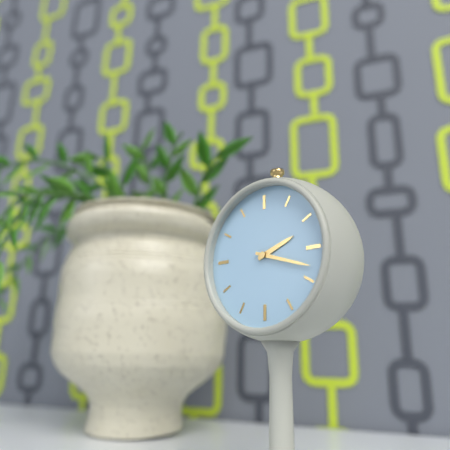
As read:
2.18
